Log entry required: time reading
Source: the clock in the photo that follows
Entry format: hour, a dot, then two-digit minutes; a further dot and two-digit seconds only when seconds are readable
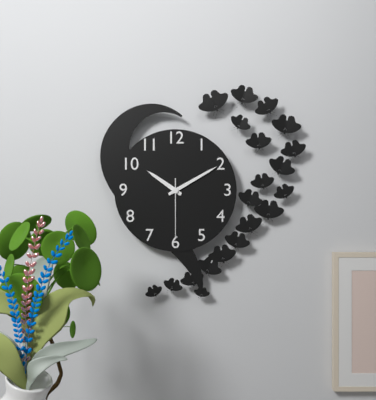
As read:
10.10.30
